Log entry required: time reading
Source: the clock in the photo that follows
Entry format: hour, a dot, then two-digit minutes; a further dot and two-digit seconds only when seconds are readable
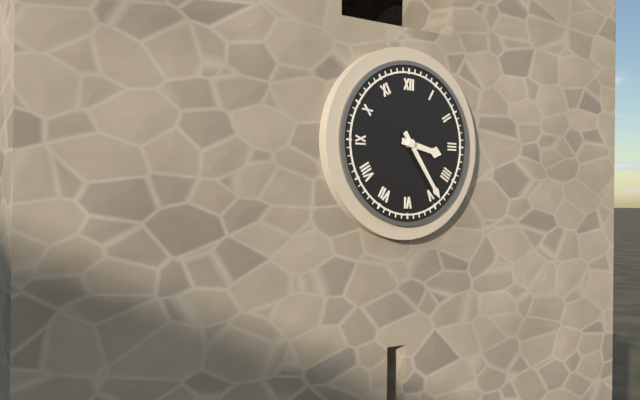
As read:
3.24
